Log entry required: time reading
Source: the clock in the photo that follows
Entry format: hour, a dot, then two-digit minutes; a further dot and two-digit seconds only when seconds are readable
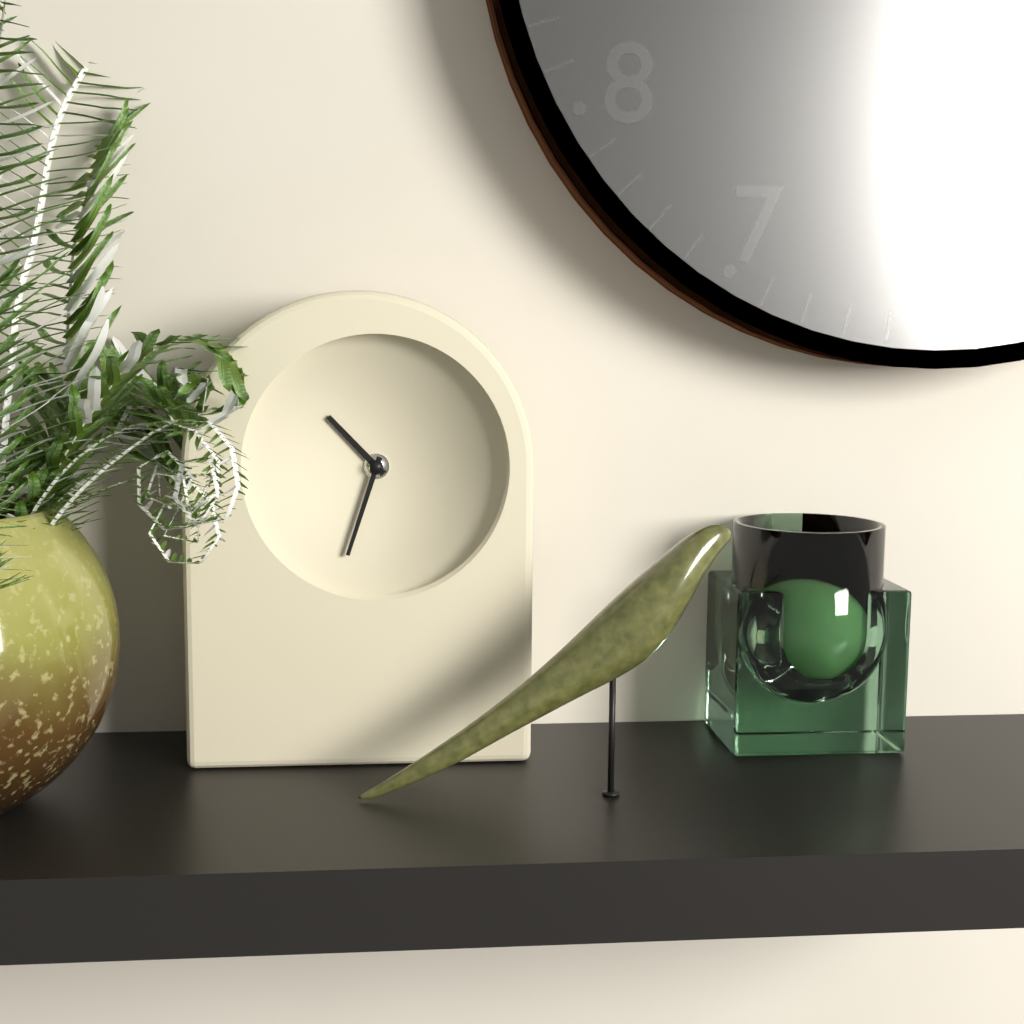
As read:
10.33
